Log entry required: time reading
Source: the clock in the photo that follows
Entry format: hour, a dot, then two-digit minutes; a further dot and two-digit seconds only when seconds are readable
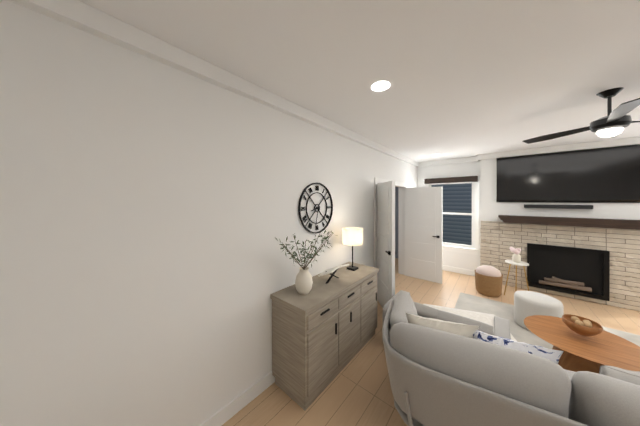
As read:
8.32
